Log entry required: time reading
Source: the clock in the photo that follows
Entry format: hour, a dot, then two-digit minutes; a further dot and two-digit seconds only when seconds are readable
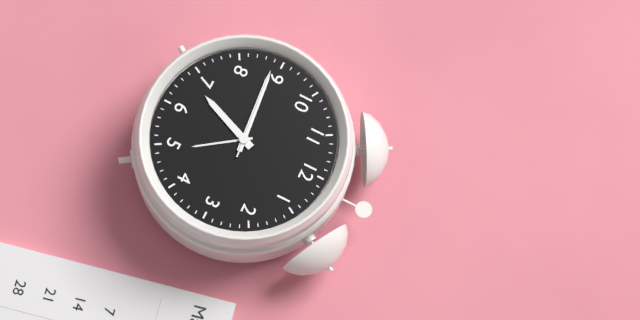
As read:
6.44.44
